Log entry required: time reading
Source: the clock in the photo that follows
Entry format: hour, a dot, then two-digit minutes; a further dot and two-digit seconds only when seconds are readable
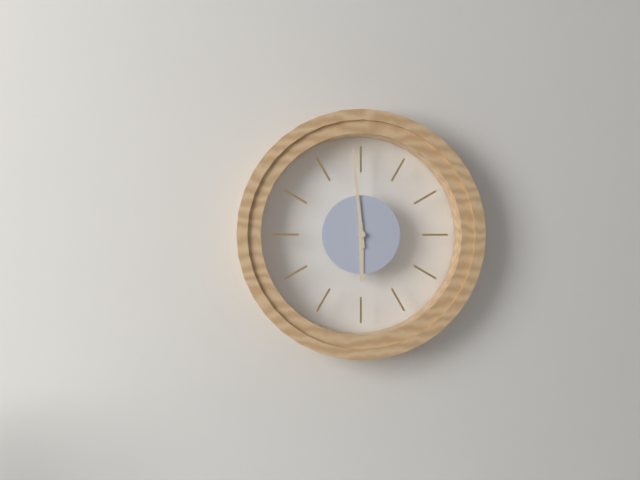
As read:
5.59
